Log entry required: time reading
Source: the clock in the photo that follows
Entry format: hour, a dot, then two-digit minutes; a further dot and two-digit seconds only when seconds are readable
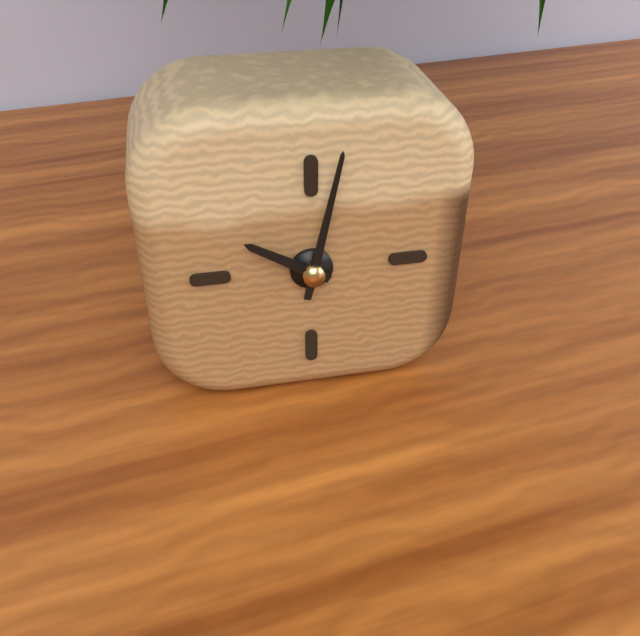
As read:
10.02
